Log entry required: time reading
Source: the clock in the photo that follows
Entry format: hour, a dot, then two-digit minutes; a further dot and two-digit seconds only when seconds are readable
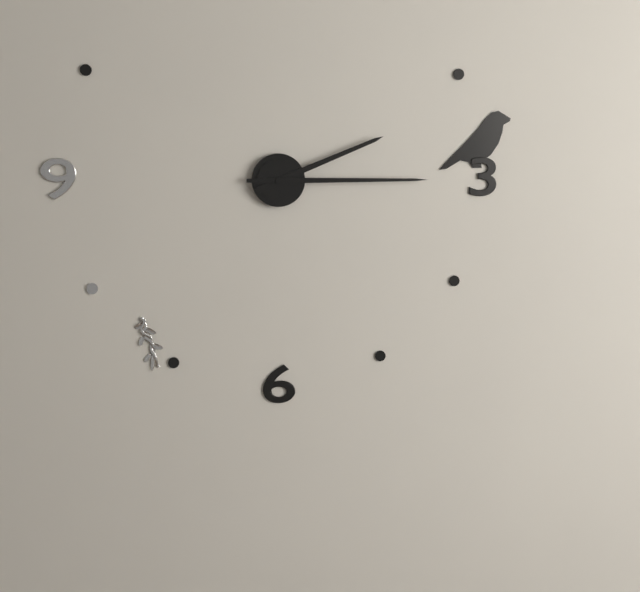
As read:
2.15
